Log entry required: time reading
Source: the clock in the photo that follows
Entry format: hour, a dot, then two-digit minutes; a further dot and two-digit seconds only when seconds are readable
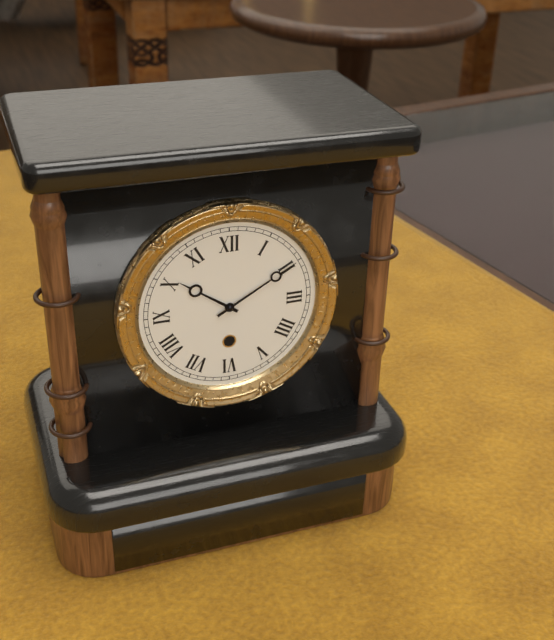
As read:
10.10
